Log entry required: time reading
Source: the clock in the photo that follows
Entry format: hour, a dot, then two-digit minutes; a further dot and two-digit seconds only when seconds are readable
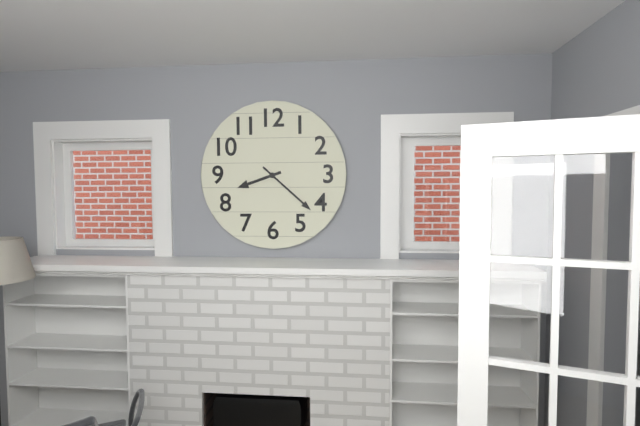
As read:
8.22
